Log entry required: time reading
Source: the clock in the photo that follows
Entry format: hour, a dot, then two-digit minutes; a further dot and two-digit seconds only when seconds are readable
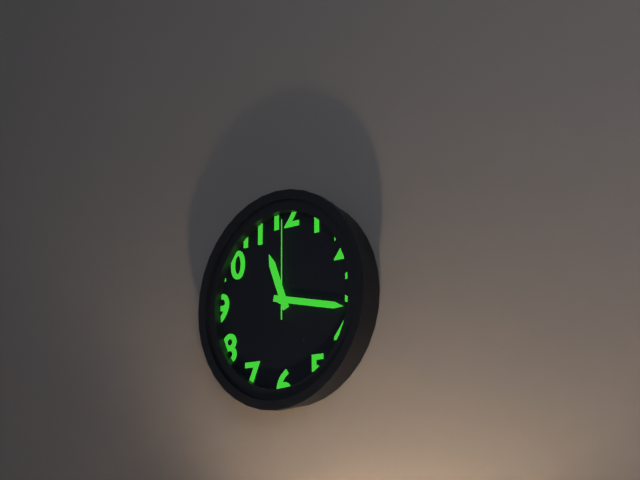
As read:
11.17.00
